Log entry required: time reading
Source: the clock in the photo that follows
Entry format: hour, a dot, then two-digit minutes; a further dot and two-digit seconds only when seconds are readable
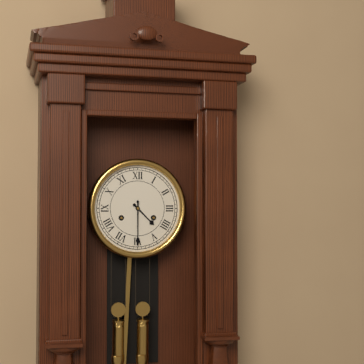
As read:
4.30
